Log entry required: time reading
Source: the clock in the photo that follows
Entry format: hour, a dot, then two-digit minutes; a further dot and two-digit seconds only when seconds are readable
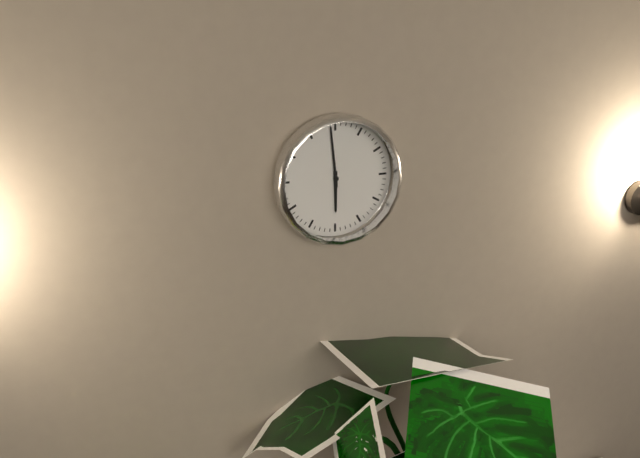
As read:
5.59
